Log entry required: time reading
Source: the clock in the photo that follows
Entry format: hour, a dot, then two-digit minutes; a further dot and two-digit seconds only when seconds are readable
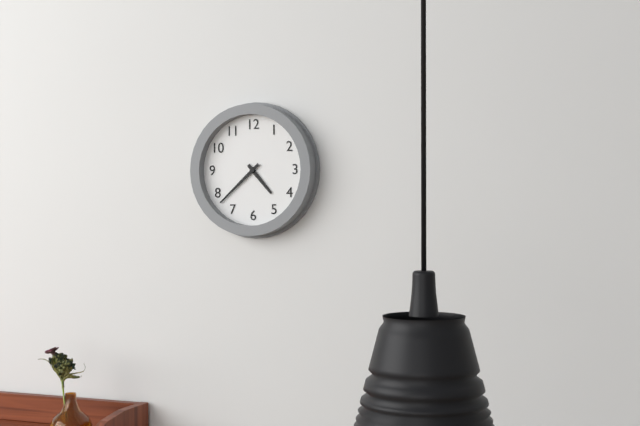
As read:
4.38
